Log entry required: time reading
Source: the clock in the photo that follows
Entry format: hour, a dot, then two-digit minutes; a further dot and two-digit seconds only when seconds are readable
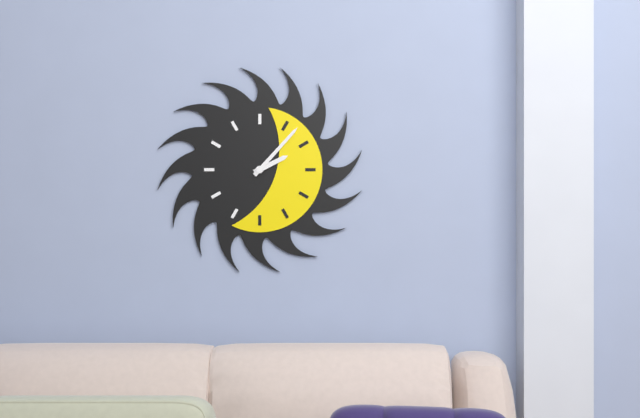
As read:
2.07
